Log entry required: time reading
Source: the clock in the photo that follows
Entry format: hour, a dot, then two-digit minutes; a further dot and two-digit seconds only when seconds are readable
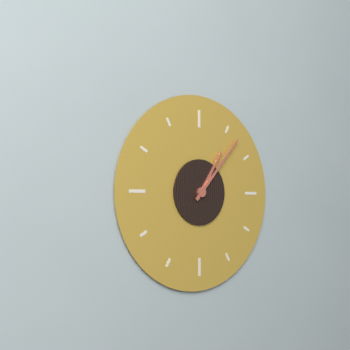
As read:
1.07
